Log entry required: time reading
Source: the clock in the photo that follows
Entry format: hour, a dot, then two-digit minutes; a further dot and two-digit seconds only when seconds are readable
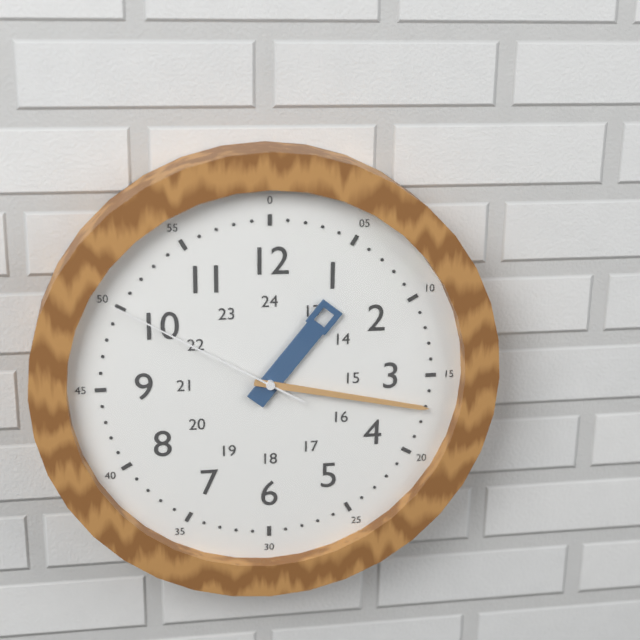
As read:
1.17.50
